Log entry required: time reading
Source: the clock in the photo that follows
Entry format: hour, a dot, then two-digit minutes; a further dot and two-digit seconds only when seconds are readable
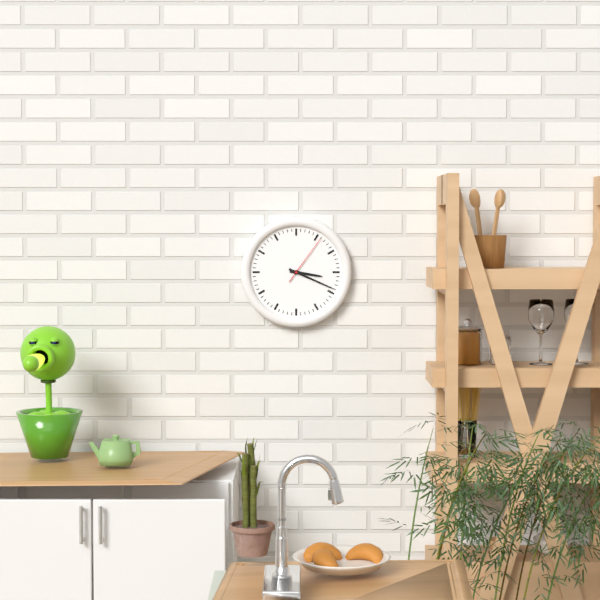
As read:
3.19.06
